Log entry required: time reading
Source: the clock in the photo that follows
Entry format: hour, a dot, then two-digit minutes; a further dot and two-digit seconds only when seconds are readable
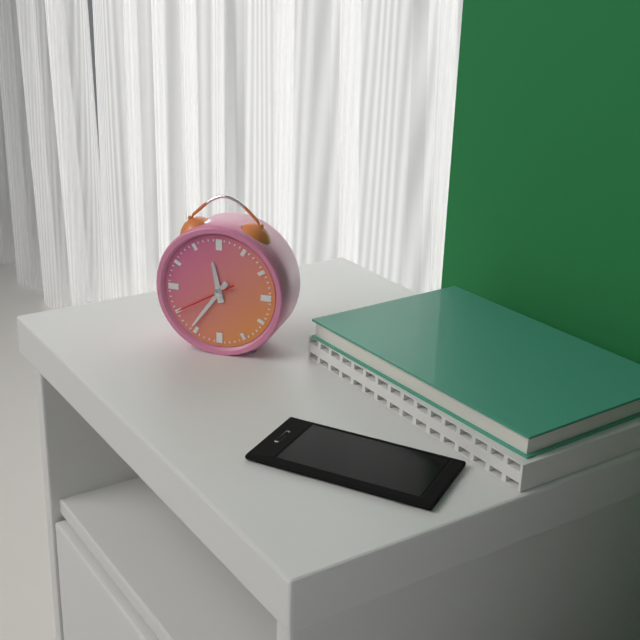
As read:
11.36.40
